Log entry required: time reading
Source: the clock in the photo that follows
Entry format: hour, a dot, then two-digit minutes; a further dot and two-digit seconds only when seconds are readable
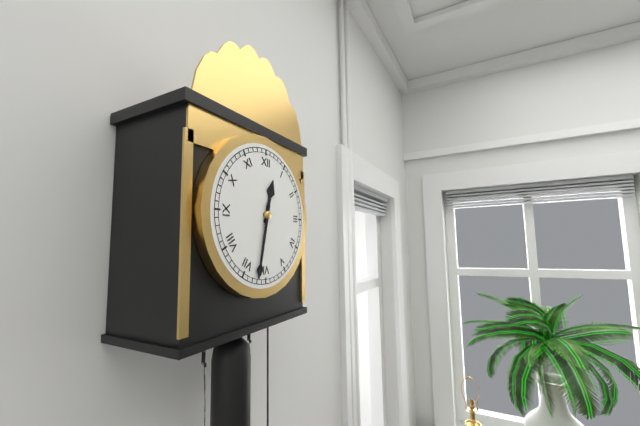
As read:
12.32
